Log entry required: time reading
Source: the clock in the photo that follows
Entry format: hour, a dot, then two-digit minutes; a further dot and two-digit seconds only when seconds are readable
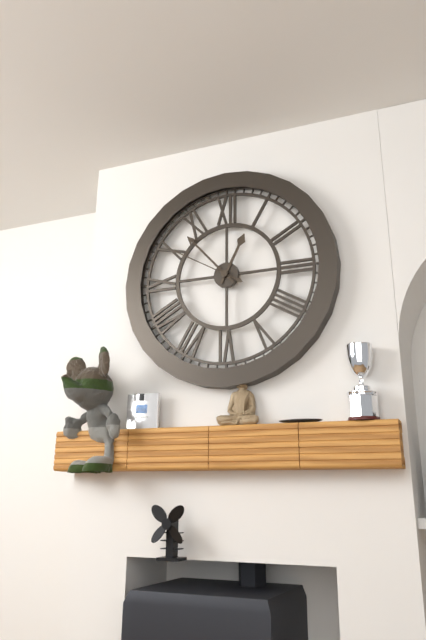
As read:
12.53.50
